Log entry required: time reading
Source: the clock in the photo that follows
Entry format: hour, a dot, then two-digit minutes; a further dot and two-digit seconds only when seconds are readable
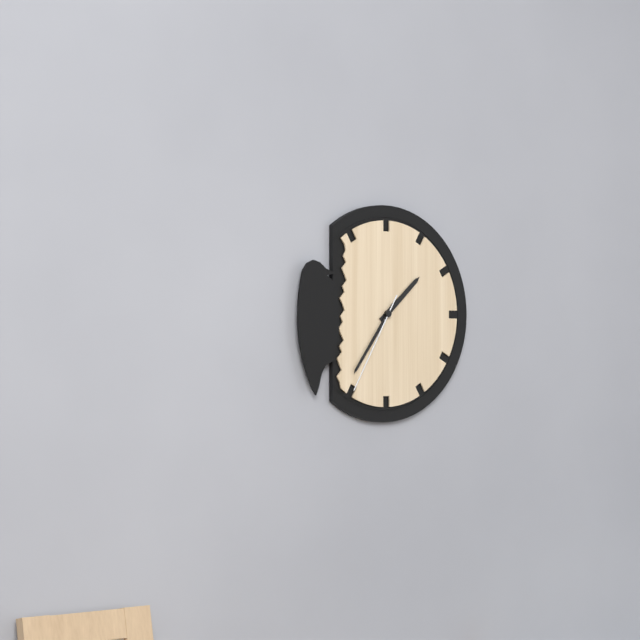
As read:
1.36.35
